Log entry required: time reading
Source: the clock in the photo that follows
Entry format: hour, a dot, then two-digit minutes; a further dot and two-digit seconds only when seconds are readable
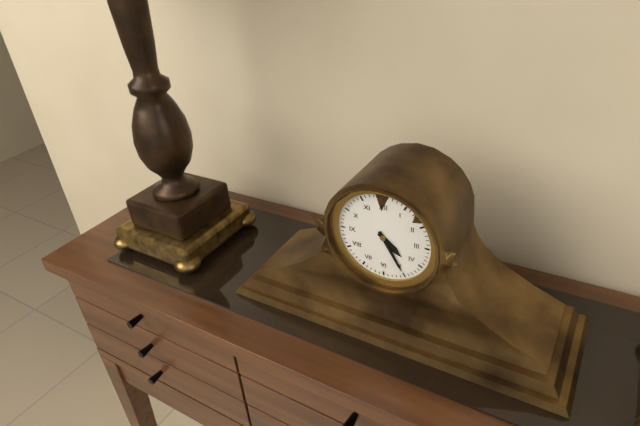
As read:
4.25
